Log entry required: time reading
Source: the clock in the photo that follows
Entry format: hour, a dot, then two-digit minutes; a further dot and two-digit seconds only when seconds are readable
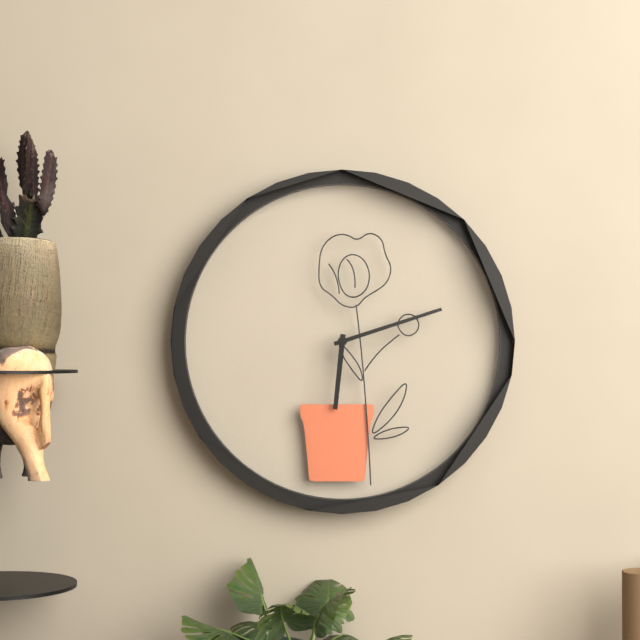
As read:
6.12
